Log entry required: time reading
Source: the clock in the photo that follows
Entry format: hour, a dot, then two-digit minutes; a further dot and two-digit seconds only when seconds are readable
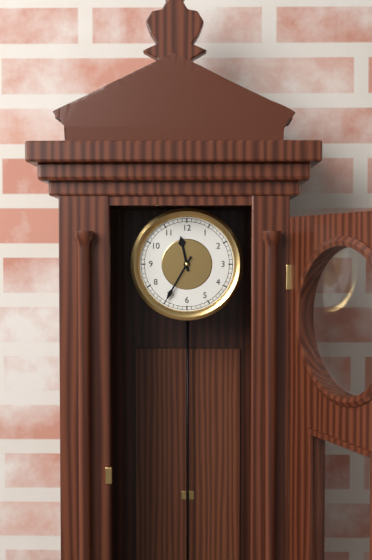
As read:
11.35
